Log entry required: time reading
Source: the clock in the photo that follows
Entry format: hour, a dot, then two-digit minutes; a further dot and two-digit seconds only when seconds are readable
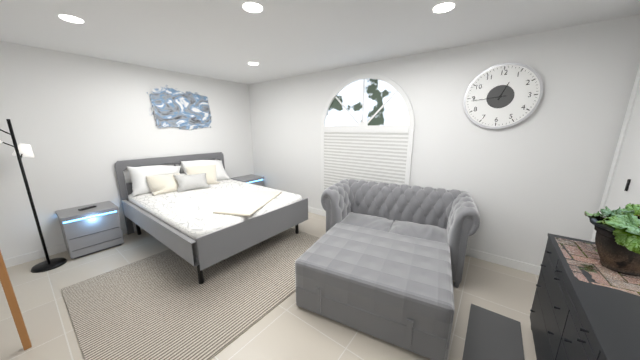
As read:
12.44
